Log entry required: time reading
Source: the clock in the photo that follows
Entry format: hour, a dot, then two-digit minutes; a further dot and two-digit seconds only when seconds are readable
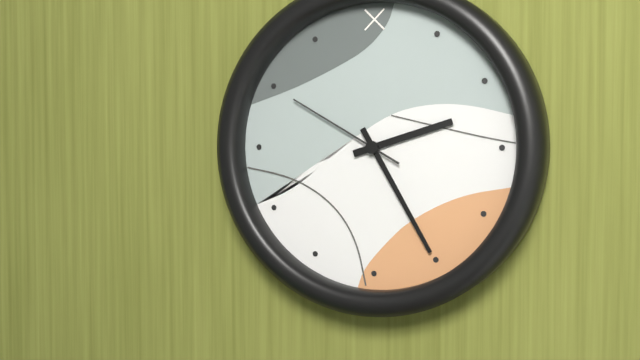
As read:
2.25.50
